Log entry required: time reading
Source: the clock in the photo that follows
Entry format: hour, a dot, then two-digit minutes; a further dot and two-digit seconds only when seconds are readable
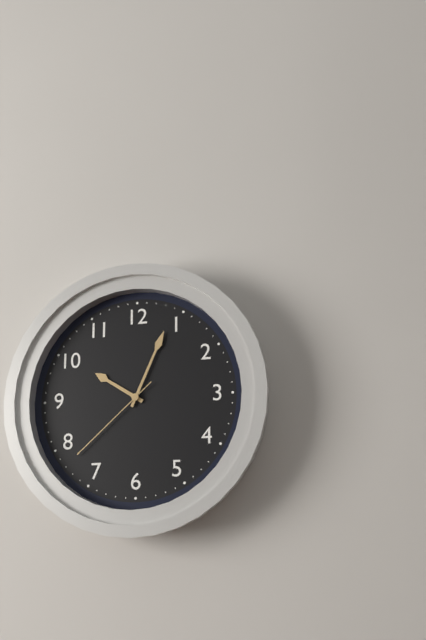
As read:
10.04.38
